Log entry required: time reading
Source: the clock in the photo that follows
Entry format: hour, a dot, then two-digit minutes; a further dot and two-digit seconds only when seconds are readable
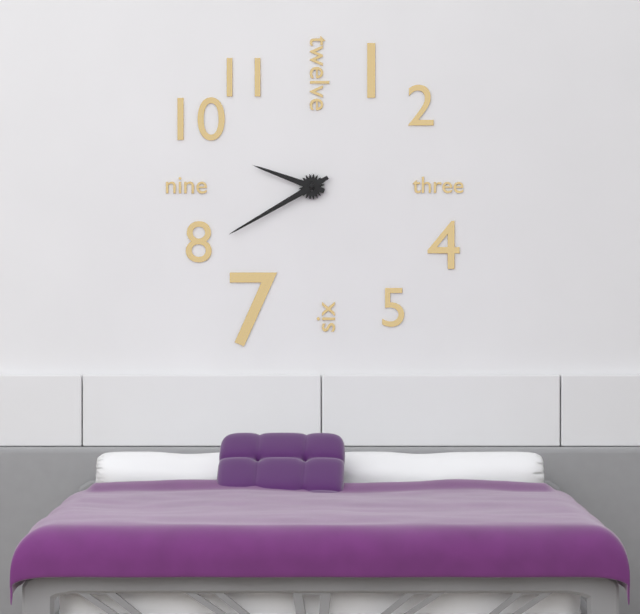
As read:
9.40
